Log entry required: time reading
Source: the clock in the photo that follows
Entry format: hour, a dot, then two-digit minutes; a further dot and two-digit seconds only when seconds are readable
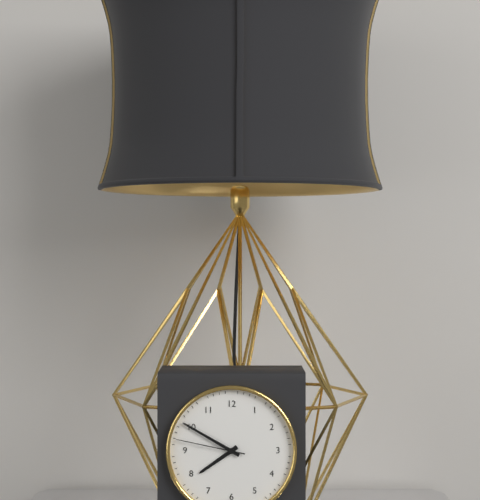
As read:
7.50.47
